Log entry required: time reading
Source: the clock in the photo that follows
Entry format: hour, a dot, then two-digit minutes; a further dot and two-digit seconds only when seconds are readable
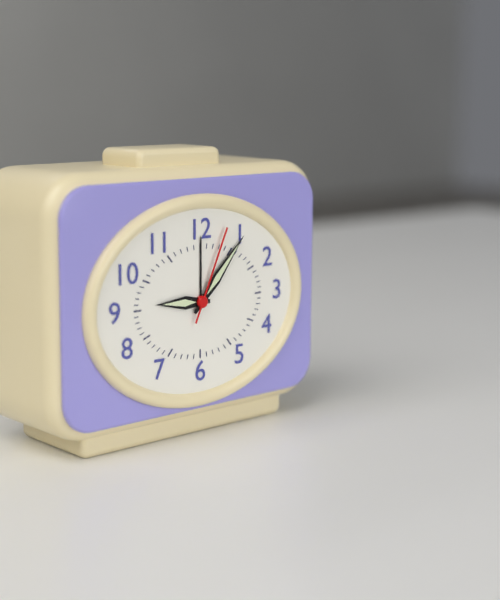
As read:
9.07.04
